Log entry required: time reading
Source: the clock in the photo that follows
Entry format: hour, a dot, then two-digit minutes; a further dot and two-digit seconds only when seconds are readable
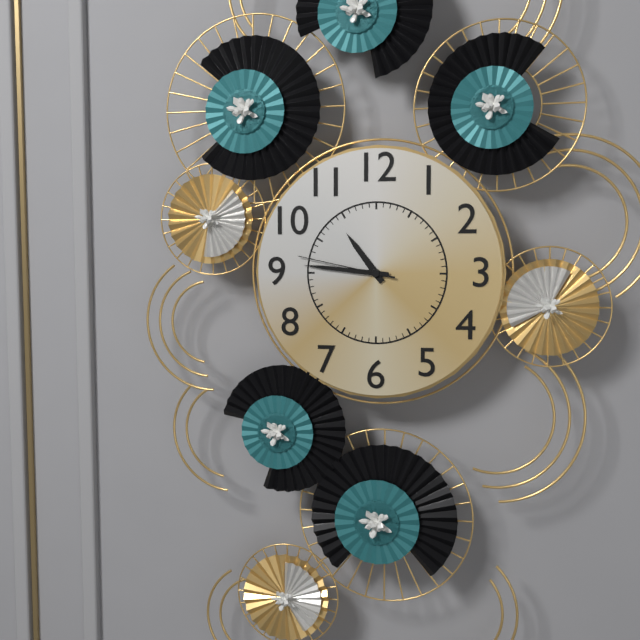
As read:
10.46.47
